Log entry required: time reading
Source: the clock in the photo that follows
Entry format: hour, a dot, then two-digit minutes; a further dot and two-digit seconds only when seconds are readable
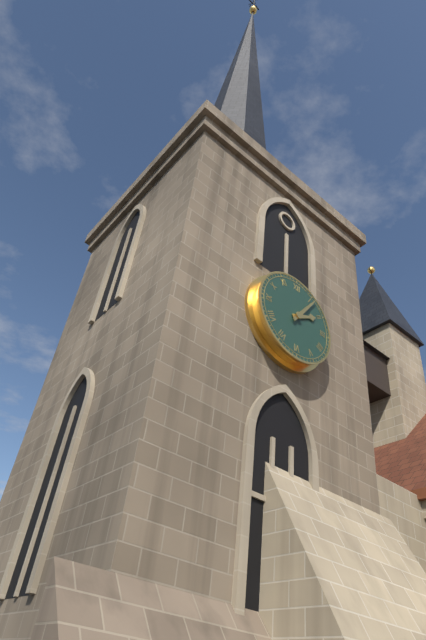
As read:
2.06
